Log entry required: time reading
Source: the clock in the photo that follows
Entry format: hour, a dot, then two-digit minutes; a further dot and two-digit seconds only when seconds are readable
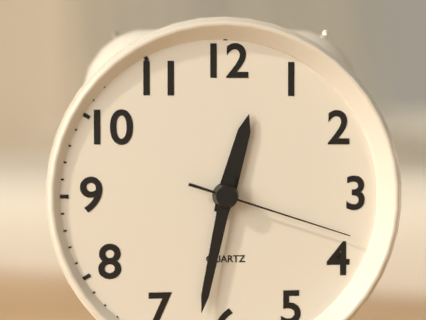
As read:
12.32.18
